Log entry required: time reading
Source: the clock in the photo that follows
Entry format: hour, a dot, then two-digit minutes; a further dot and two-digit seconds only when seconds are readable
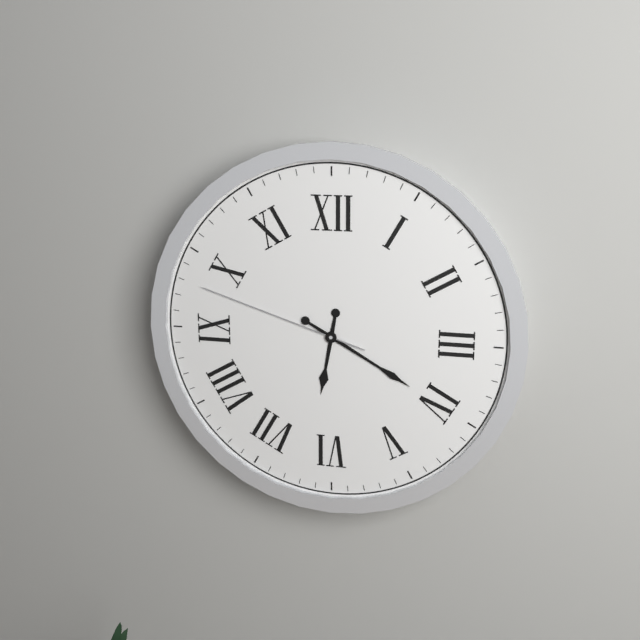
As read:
6.20.48
